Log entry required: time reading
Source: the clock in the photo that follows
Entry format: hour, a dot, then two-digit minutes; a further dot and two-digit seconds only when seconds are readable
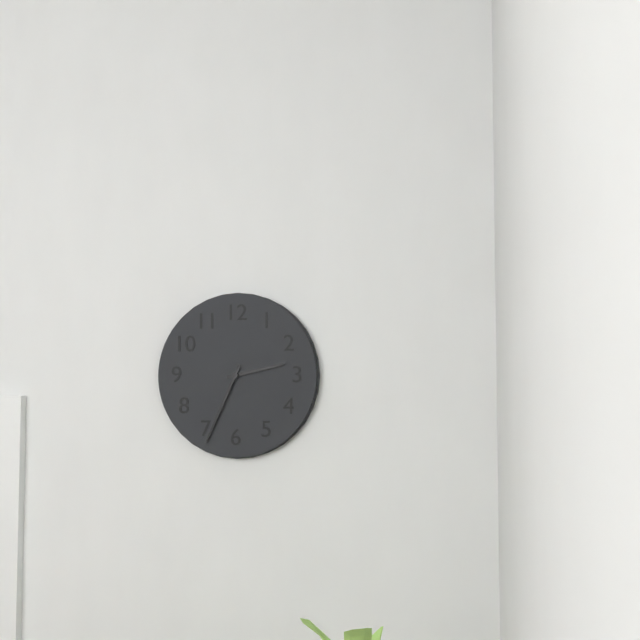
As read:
2.34
